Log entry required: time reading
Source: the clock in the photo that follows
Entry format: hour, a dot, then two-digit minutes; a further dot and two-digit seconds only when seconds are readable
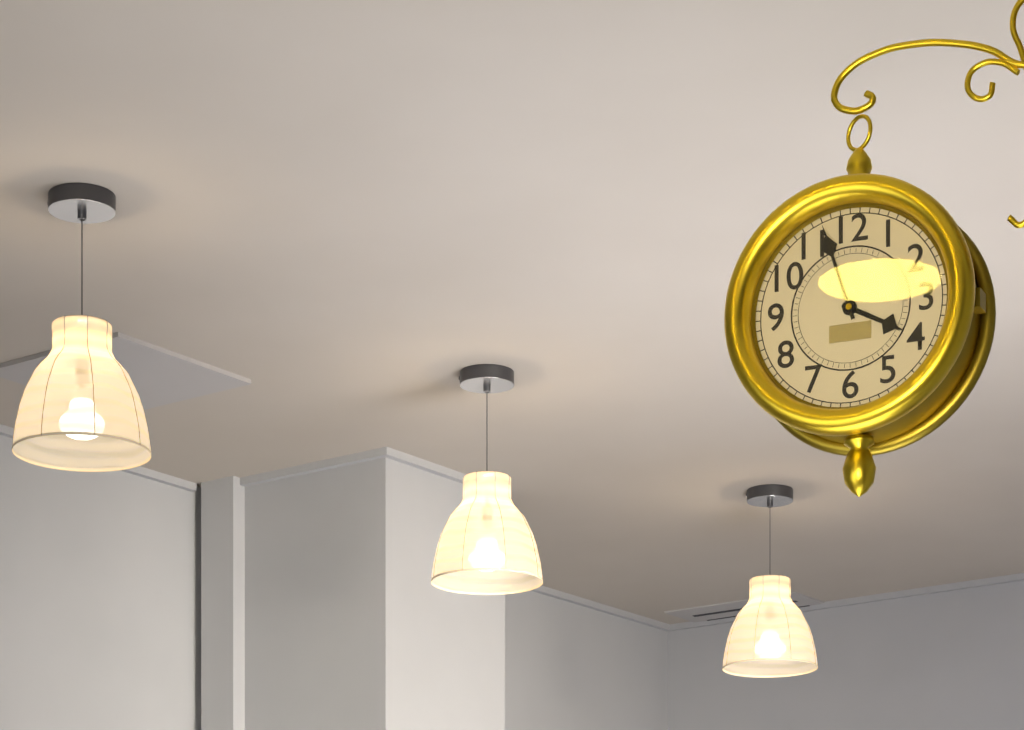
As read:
3.57
